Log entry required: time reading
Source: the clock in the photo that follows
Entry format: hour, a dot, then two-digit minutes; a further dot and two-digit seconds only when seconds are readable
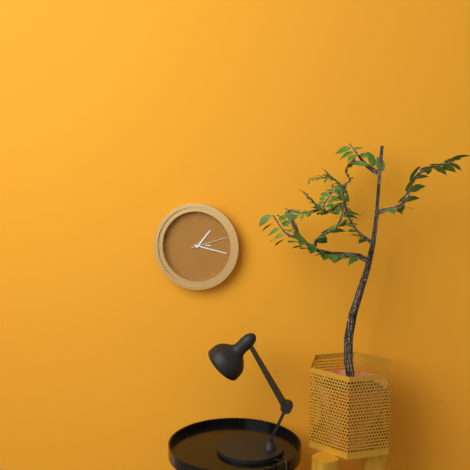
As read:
1.17
